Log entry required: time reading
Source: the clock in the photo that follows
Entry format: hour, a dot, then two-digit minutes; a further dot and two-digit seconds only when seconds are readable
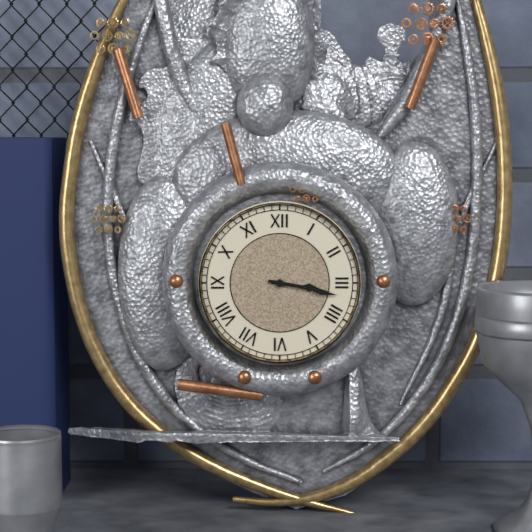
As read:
3.17
